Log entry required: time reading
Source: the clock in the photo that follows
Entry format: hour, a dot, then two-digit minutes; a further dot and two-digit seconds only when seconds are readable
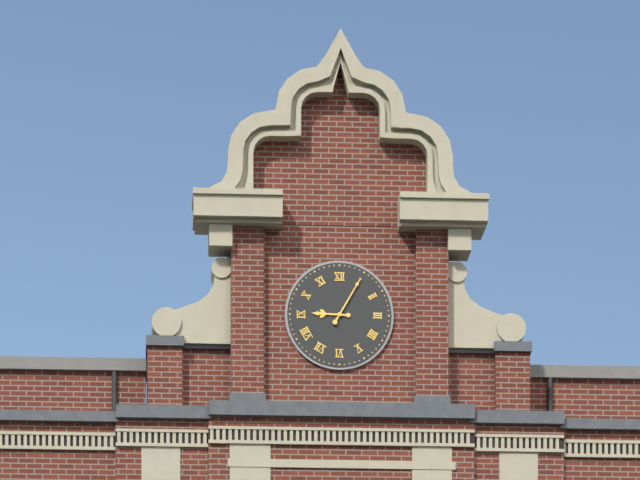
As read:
9.05
